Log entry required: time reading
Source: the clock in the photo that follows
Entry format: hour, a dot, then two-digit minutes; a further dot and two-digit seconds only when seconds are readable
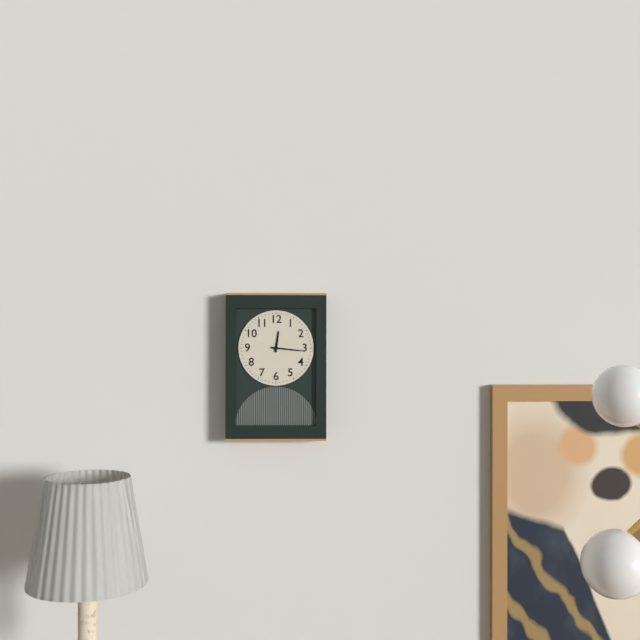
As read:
12.16
